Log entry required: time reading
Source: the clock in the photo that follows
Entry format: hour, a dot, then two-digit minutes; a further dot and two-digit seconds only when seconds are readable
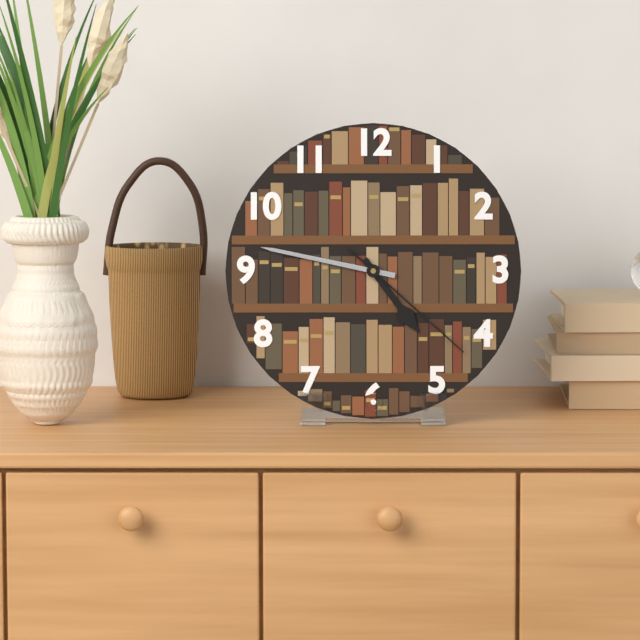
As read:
4.47.22
